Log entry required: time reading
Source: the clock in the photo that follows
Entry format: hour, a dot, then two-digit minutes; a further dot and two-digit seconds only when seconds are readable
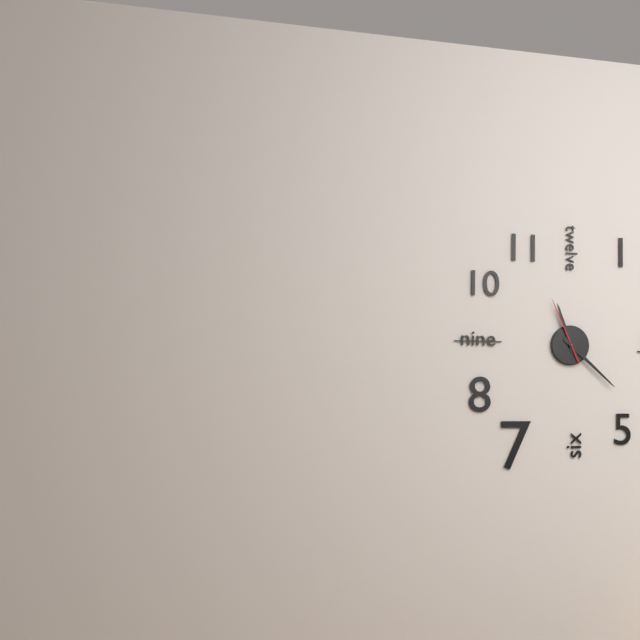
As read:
11.22.56
